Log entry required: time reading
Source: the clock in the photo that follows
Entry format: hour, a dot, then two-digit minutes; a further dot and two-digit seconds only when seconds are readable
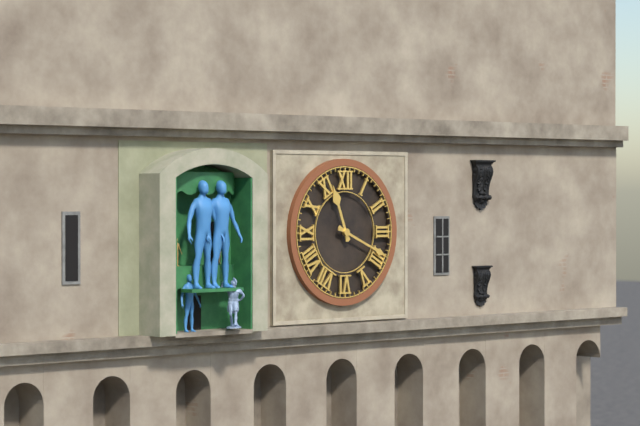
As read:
11.19
